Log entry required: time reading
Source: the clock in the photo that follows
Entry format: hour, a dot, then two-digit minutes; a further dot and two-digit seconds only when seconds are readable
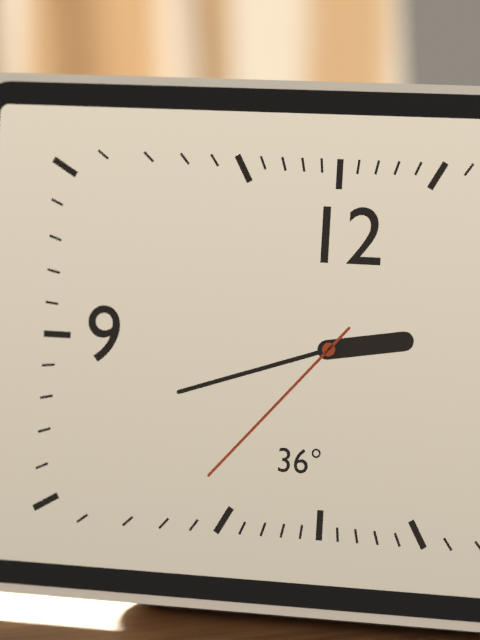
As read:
2.42.37
